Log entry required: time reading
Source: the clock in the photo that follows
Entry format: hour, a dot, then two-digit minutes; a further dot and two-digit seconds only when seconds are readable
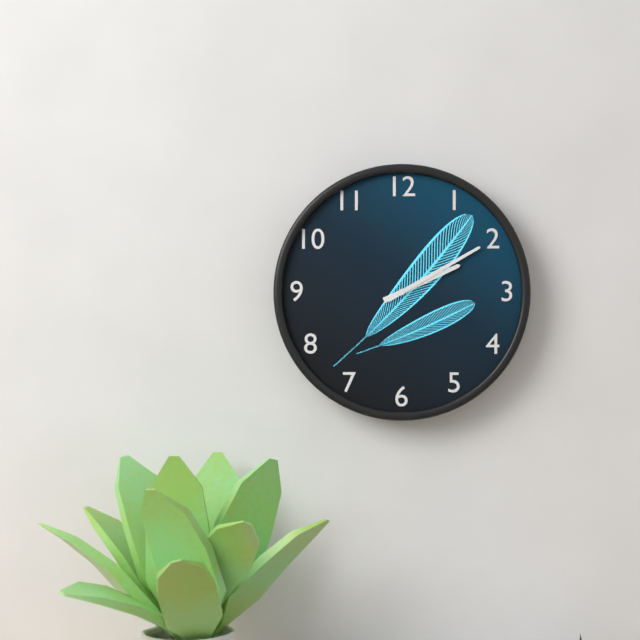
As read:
2.10
